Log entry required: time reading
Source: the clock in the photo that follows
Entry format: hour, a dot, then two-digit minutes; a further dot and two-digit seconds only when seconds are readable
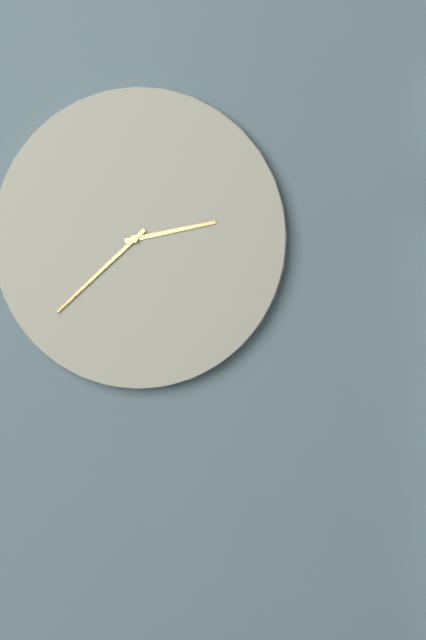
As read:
2.38
